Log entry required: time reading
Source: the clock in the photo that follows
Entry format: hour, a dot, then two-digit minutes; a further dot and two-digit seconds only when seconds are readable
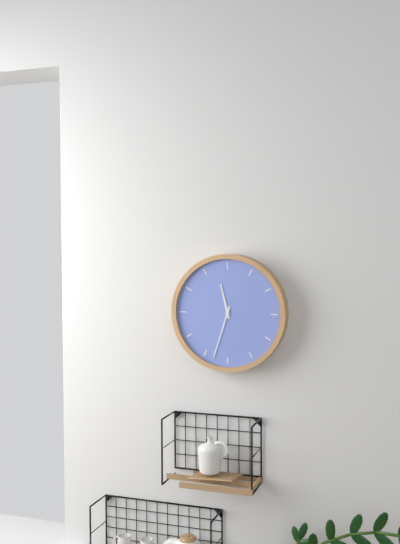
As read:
11.33
